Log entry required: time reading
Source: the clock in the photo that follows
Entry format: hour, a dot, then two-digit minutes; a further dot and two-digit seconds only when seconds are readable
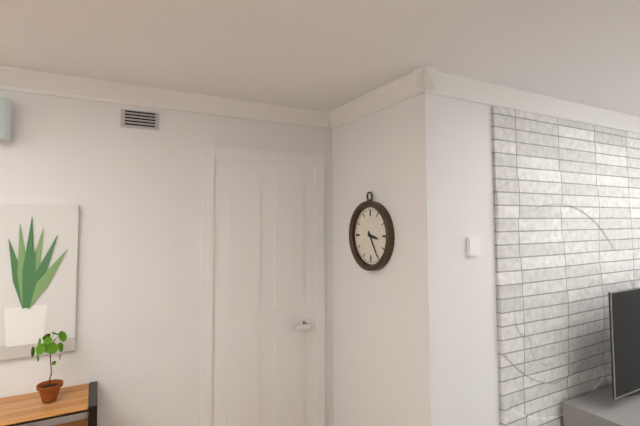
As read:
3.25
